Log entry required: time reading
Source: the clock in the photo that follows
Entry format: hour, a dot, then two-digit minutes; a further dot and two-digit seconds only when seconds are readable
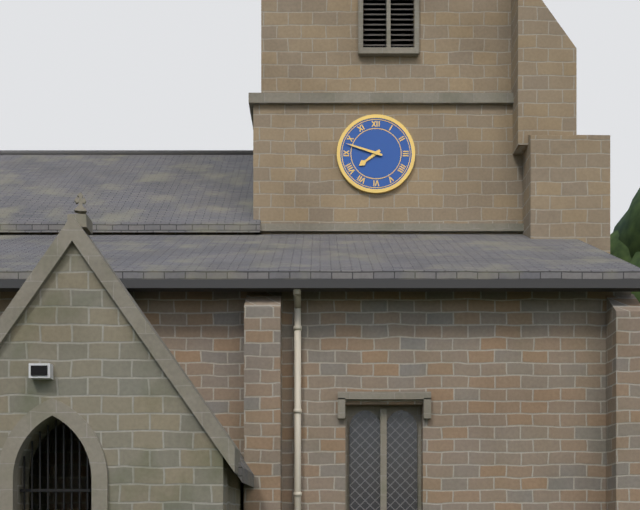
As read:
7.48
